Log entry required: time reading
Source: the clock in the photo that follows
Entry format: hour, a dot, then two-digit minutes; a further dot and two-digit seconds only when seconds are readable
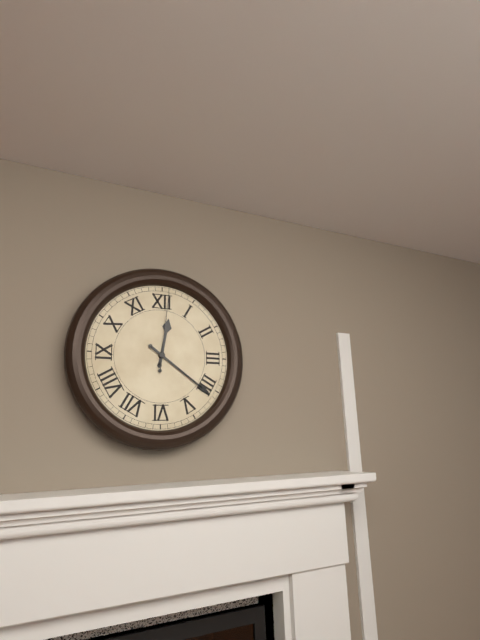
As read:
12.21.01
